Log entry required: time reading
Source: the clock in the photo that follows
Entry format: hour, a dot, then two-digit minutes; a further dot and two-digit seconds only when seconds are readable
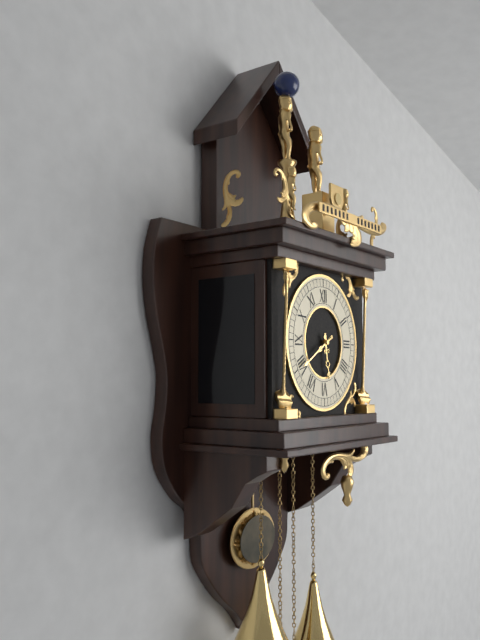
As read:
5.40
